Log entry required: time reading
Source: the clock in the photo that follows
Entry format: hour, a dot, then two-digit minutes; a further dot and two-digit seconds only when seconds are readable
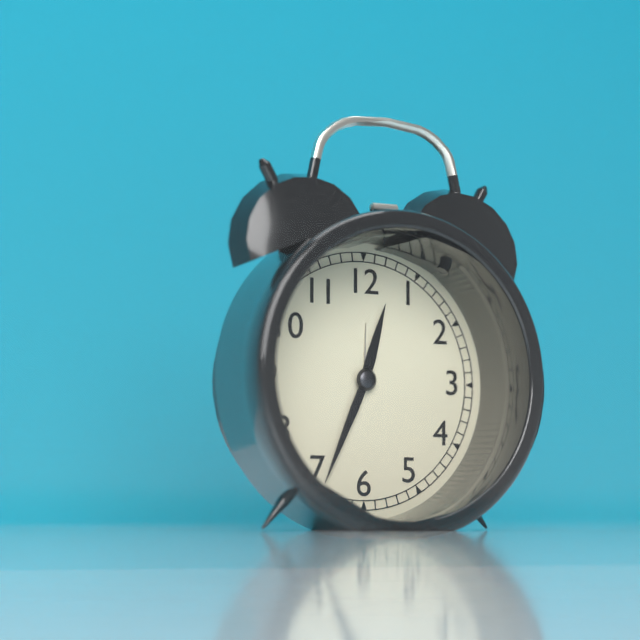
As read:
12.34
